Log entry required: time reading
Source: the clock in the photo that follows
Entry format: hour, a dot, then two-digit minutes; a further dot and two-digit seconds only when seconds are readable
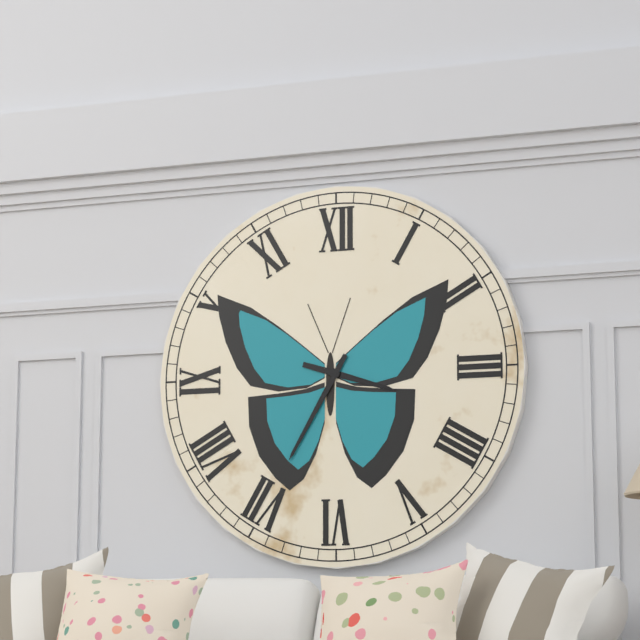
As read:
3.35
